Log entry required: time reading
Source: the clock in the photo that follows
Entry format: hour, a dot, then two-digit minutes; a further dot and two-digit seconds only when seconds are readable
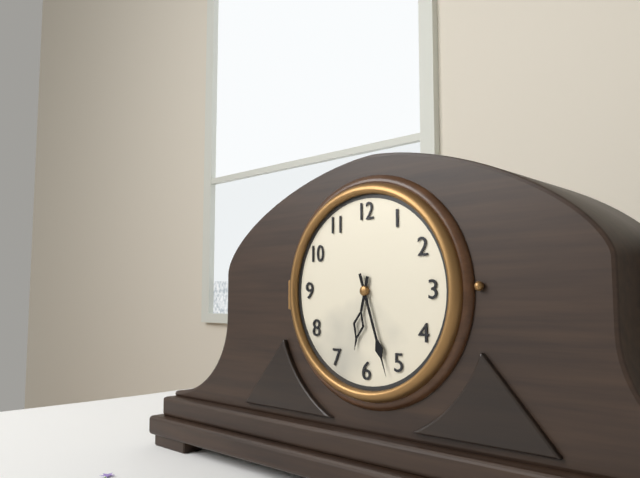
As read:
6.27
